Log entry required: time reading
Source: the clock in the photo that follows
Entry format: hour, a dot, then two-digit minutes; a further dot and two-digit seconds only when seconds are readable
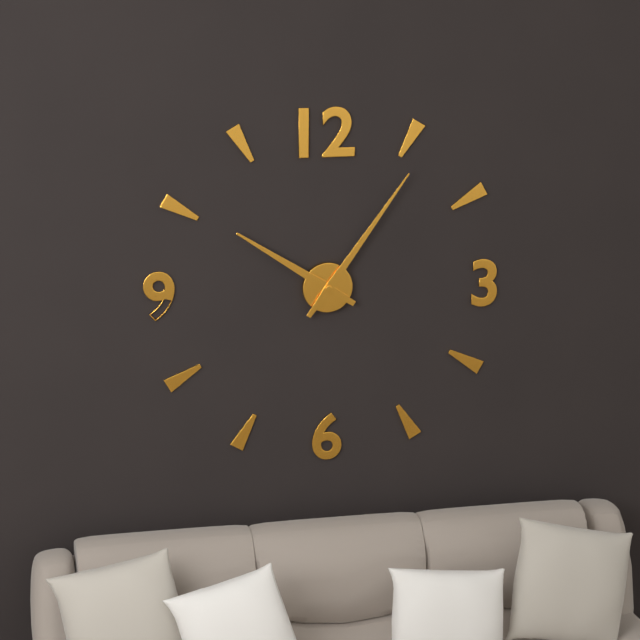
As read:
10.06
